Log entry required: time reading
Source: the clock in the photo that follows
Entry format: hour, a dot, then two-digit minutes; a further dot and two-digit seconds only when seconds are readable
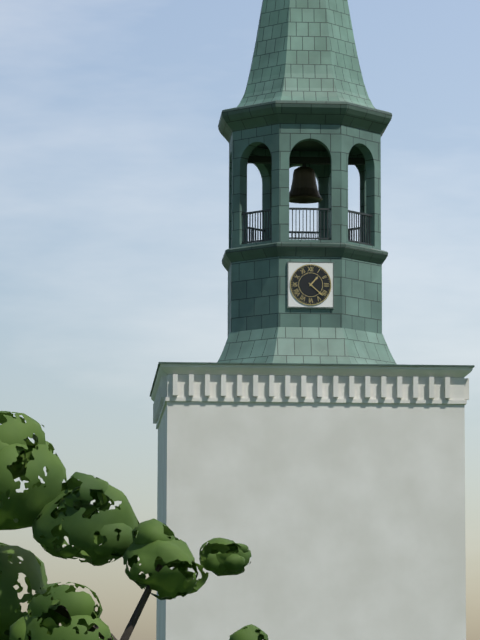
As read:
1.22
